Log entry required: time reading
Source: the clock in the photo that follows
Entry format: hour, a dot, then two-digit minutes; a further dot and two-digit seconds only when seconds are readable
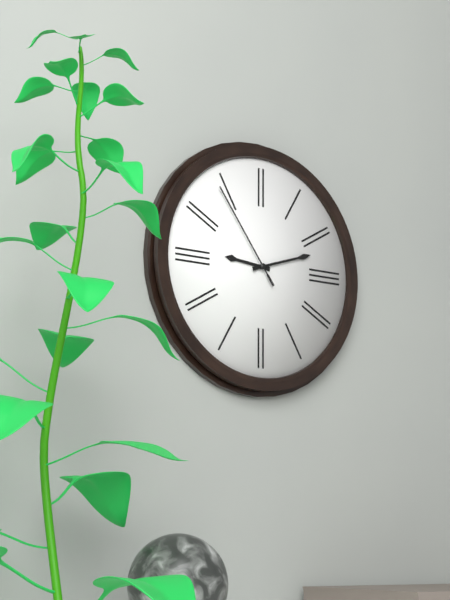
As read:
9.12.54
